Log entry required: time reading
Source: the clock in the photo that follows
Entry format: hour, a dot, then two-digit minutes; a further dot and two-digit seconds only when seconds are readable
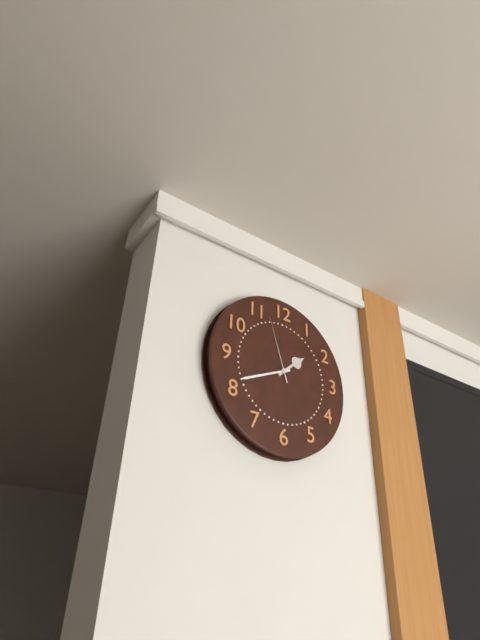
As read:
1.41.57
